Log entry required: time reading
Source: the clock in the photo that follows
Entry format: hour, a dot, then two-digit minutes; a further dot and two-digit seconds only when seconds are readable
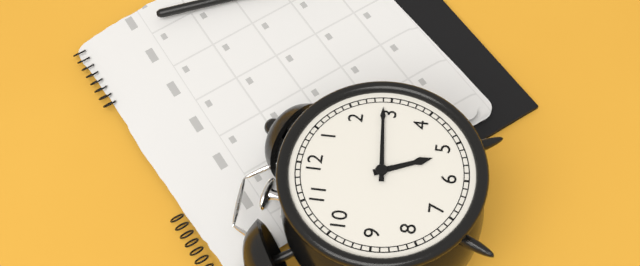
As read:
5.14
